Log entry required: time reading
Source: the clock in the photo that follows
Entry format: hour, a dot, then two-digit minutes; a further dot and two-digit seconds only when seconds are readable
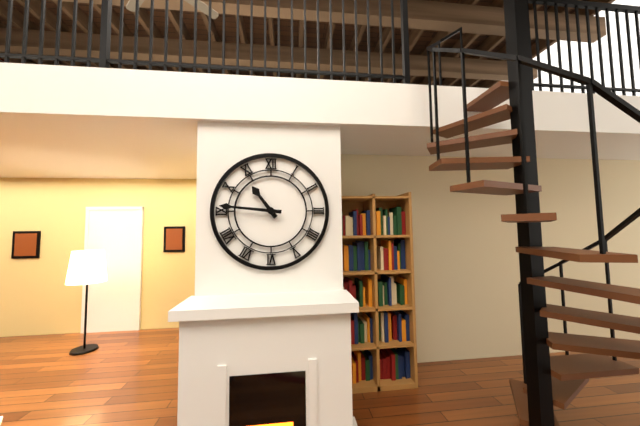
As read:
10.46
